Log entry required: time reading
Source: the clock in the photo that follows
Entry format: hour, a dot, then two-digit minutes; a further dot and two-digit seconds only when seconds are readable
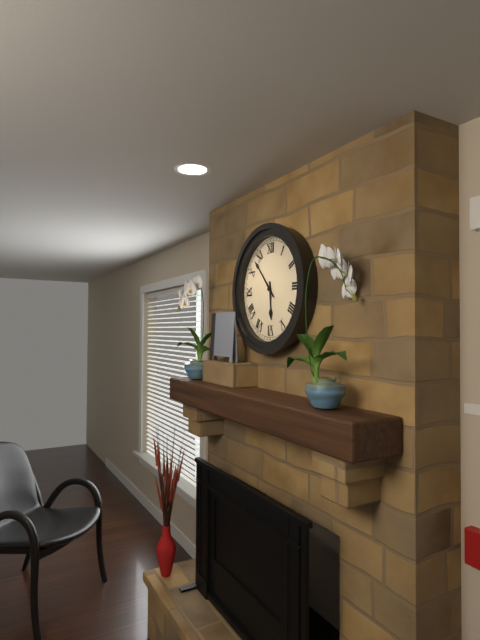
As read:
5.53
